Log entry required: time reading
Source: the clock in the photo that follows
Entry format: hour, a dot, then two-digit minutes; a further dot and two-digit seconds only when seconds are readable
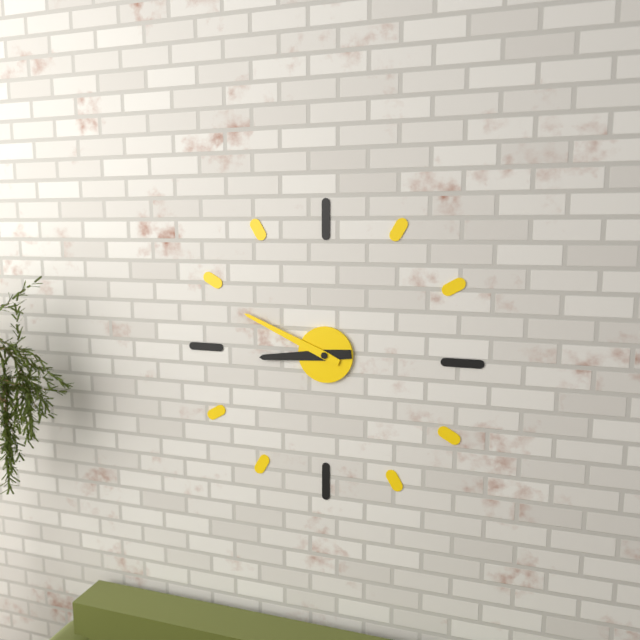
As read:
8.49
